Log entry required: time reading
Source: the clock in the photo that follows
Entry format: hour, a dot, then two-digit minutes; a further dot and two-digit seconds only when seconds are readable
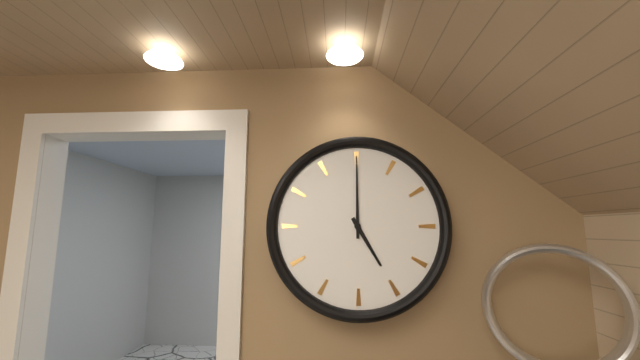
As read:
5.00
